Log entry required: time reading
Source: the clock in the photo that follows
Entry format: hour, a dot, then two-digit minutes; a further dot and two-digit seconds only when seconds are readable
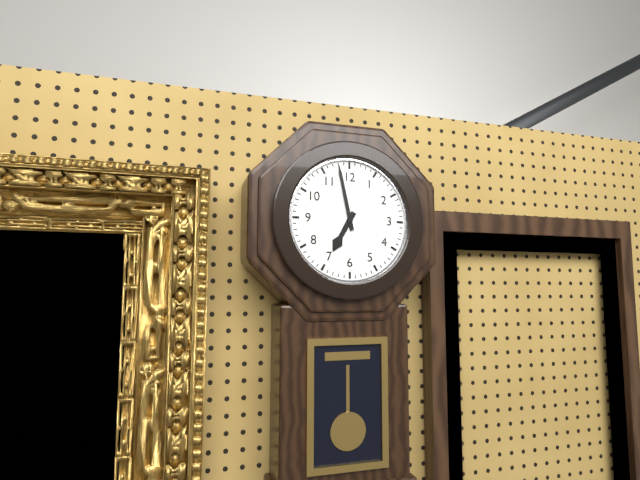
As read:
6.58
